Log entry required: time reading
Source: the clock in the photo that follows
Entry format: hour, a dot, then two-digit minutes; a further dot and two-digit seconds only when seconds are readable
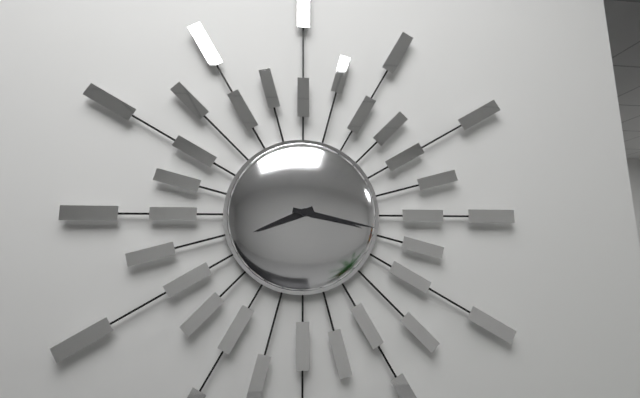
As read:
8.17
